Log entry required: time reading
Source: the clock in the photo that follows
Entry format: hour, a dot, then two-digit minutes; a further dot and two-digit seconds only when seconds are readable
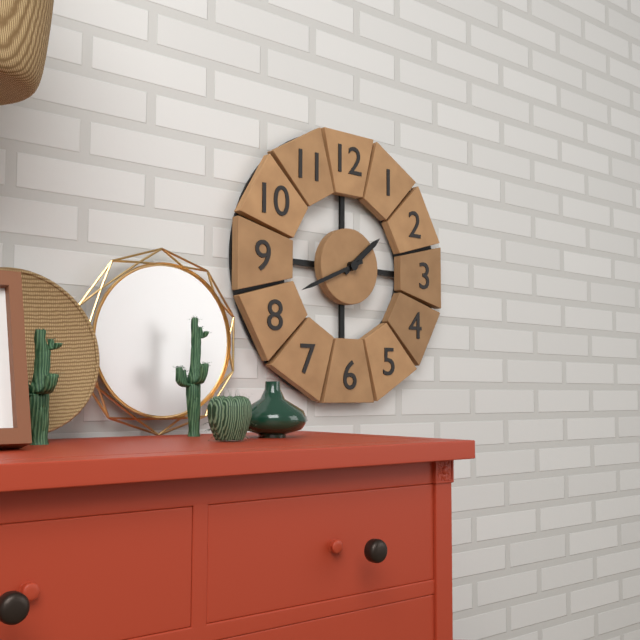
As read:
1.41
